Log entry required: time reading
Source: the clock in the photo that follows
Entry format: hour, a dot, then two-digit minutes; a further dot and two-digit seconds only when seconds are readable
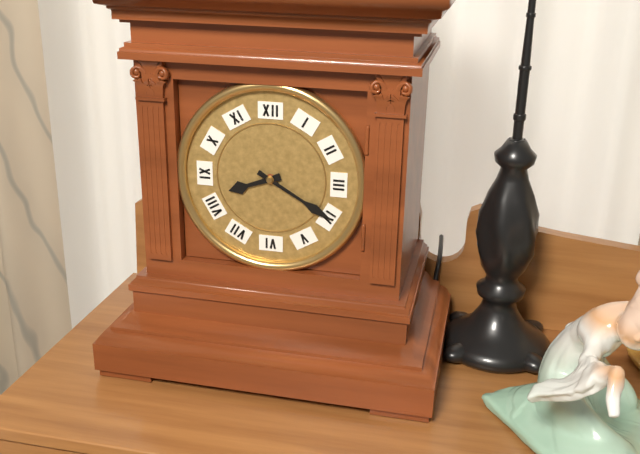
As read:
8.20
